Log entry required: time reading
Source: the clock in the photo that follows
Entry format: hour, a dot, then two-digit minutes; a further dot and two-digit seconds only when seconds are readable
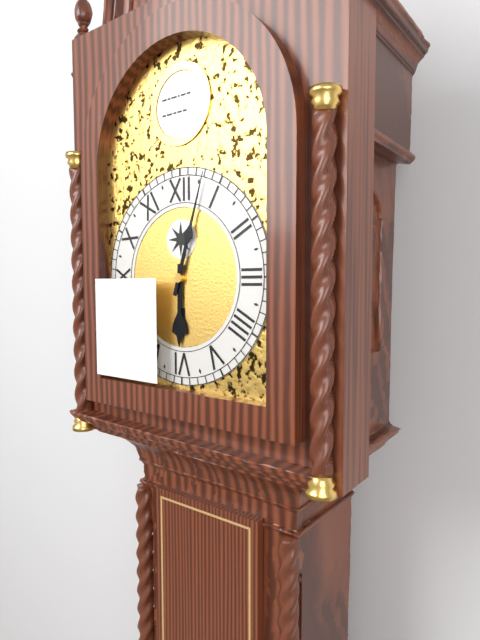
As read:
6.03
